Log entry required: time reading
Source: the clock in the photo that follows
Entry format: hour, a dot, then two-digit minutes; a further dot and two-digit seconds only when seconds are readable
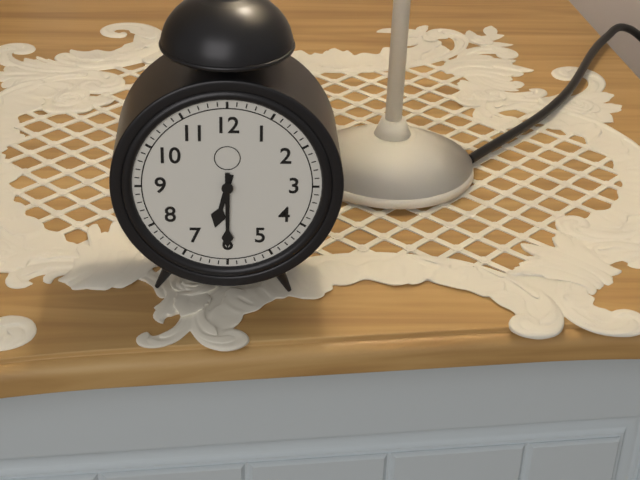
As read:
6.30
